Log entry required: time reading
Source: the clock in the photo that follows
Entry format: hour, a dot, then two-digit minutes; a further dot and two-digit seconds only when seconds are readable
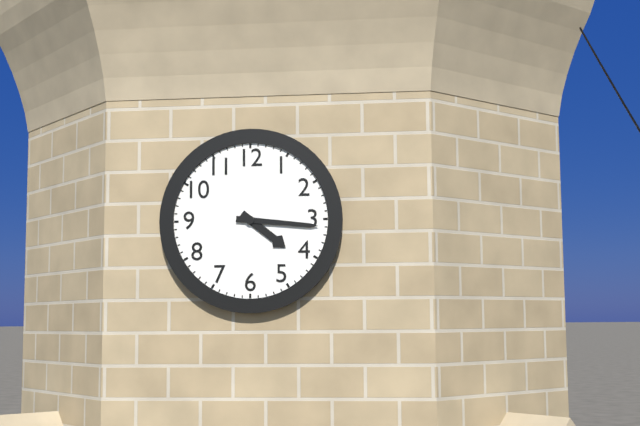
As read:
4.16
